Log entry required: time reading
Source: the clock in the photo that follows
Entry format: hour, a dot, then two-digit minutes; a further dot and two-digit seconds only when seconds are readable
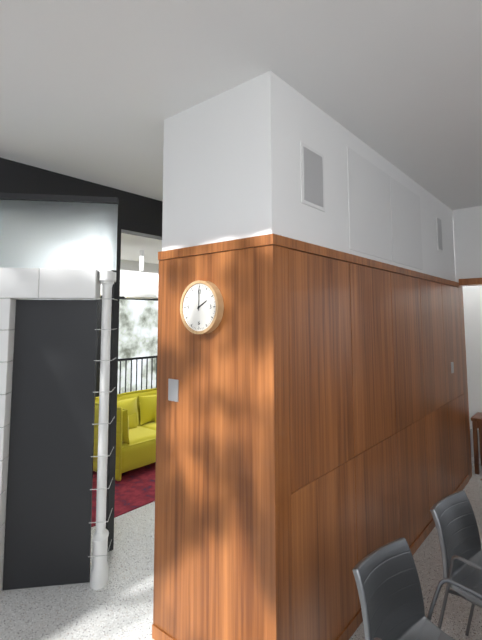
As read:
2.00
